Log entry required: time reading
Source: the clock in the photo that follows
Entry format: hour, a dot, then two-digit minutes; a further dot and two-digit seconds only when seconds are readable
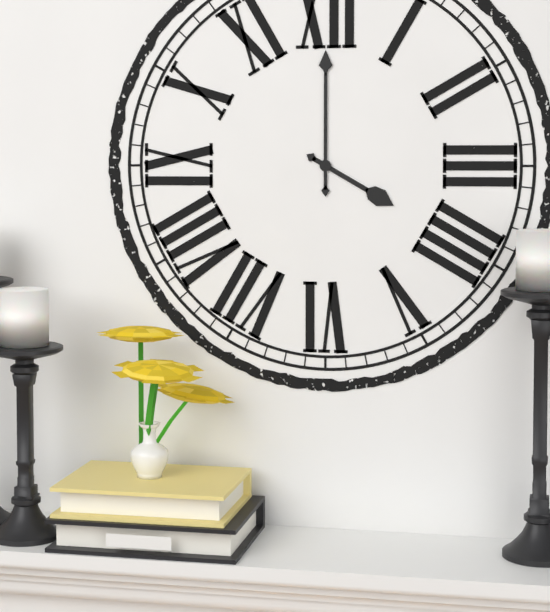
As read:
4.00
